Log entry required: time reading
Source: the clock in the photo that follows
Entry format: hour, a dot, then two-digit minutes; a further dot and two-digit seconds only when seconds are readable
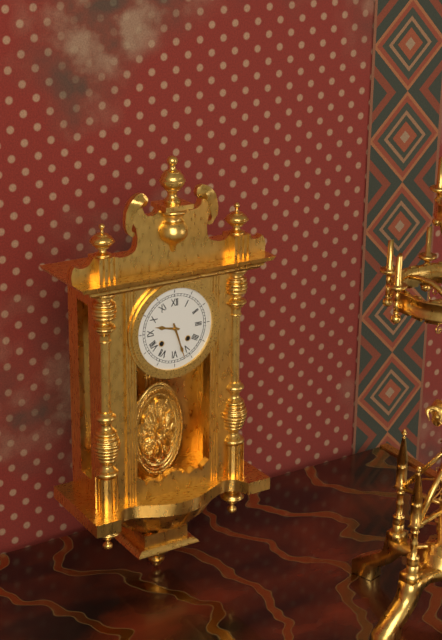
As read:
9.27
